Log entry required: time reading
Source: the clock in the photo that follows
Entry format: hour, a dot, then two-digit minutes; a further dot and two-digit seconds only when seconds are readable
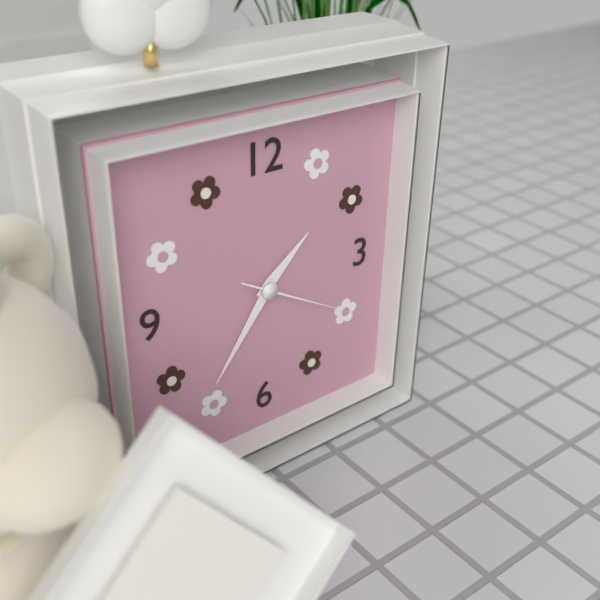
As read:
1.36.20
